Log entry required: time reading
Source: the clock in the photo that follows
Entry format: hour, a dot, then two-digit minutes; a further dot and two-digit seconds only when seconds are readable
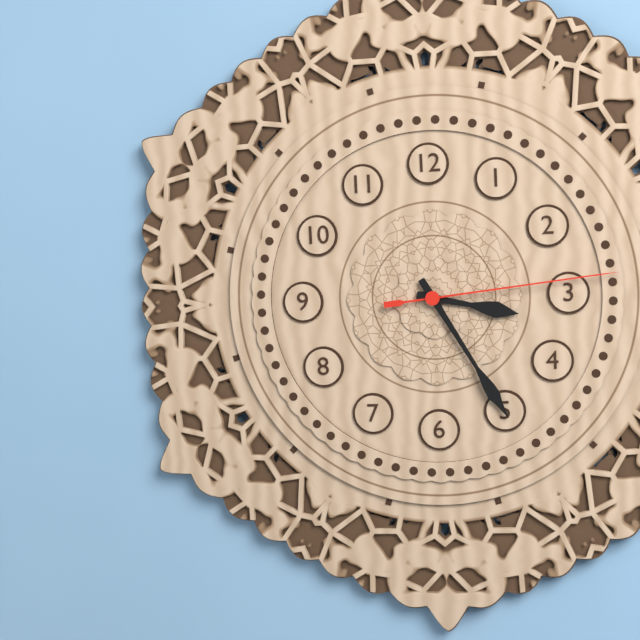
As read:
3.25.14
